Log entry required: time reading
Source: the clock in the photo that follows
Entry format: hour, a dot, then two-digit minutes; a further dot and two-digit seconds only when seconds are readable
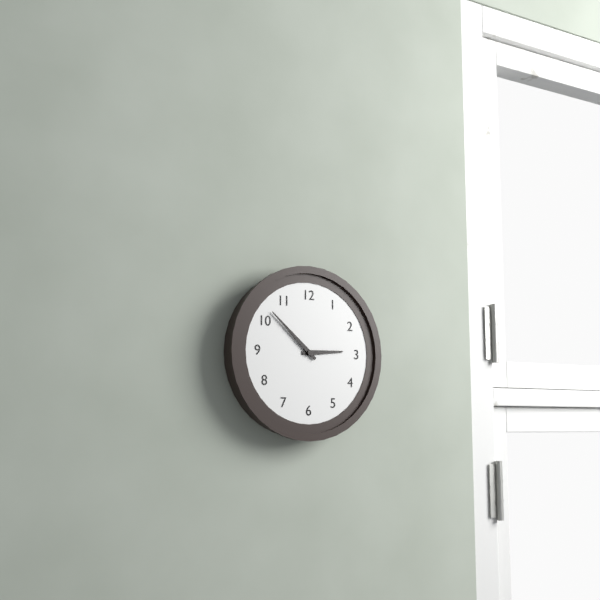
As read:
2.52
